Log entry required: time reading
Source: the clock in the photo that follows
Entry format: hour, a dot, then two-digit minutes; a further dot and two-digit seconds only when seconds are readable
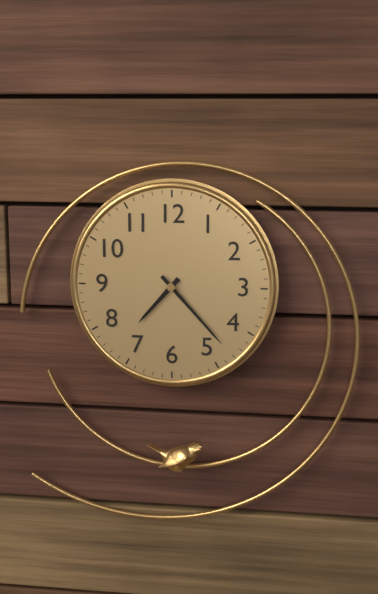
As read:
7.23
